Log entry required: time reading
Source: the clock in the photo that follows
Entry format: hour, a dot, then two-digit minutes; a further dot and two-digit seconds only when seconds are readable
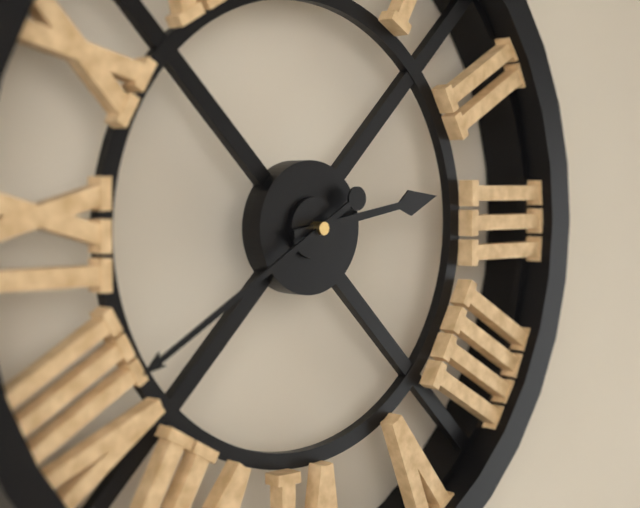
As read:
2.40
